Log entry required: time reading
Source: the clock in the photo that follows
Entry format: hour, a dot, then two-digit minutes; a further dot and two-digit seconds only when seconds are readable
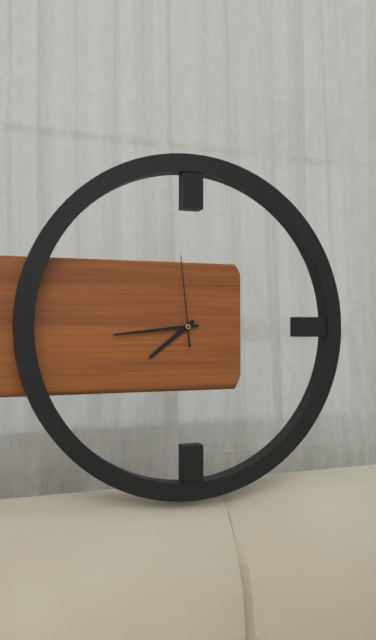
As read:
7.44.59
